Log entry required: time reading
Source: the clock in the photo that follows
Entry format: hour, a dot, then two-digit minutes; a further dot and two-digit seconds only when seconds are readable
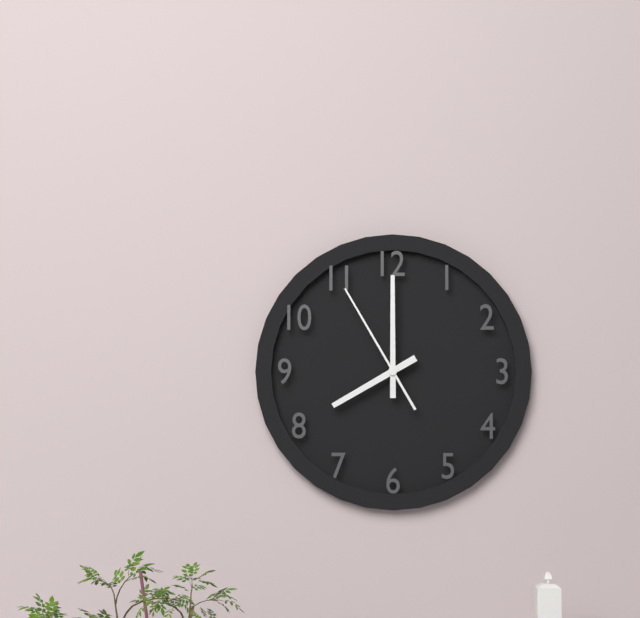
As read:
8.00.55
